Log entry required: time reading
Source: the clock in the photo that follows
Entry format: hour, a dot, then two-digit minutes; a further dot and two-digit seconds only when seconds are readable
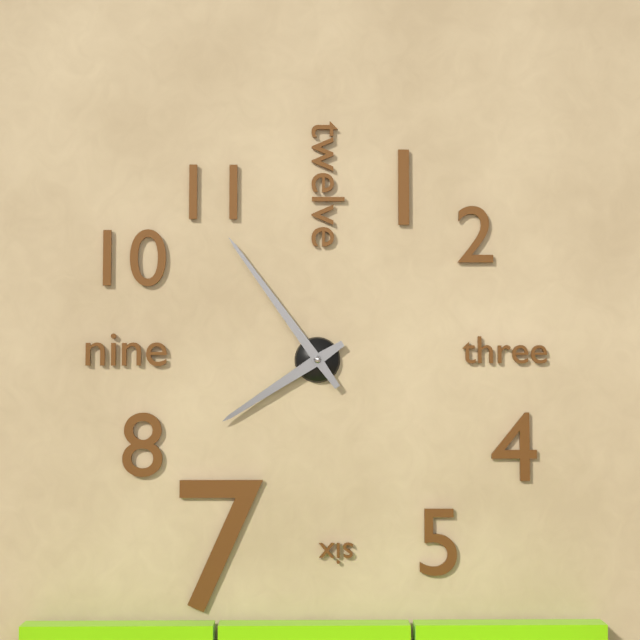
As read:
7.54
